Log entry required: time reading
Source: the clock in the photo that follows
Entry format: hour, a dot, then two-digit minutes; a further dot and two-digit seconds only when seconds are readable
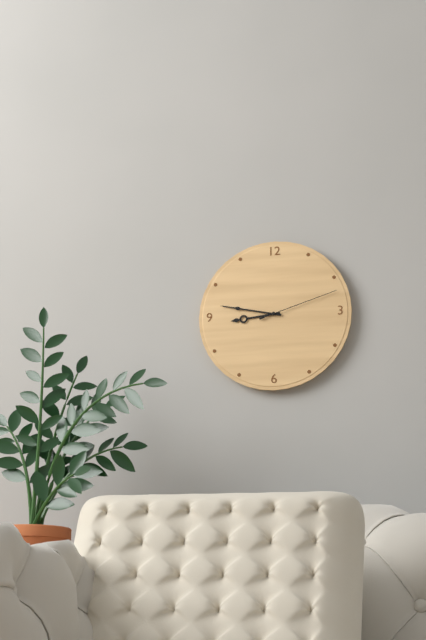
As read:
8.47.12
